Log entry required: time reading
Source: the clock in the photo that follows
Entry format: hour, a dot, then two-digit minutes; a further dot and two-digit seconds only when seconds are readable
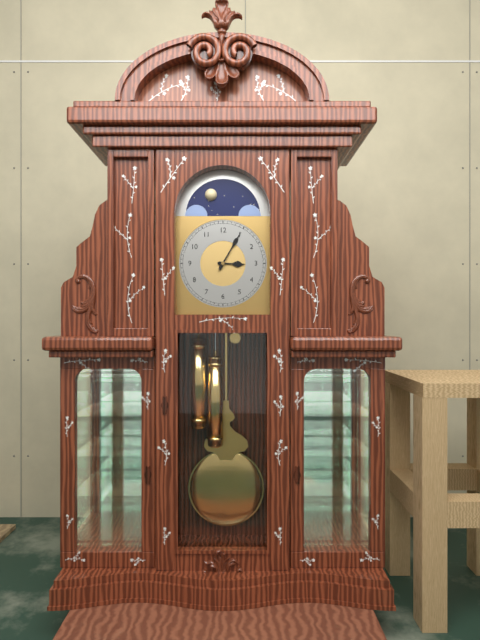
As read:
3.05
